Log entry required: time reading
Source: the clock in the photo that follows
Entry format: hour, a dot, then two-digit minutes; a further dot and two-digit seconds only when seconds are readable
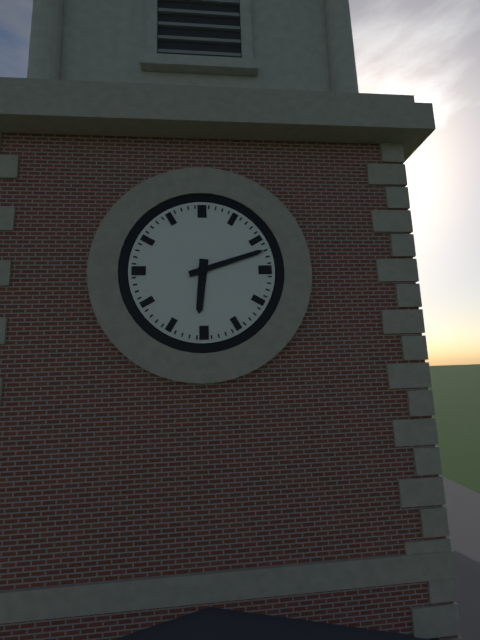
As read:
6.12
